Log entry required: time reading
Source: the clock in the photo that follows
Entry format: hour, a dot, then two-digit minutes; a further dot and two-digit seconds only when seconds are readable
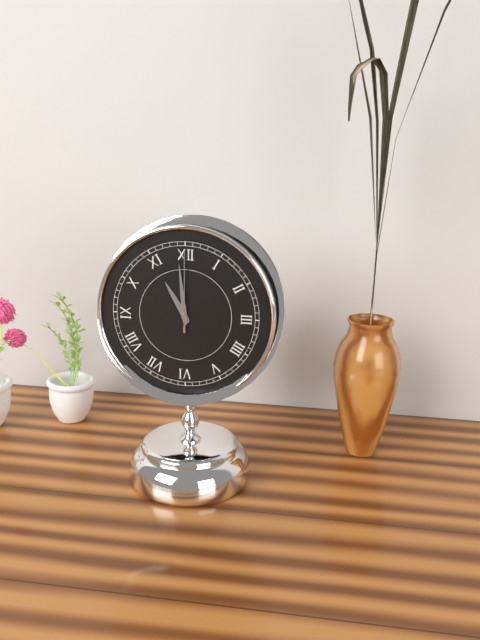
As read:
10.59.00
